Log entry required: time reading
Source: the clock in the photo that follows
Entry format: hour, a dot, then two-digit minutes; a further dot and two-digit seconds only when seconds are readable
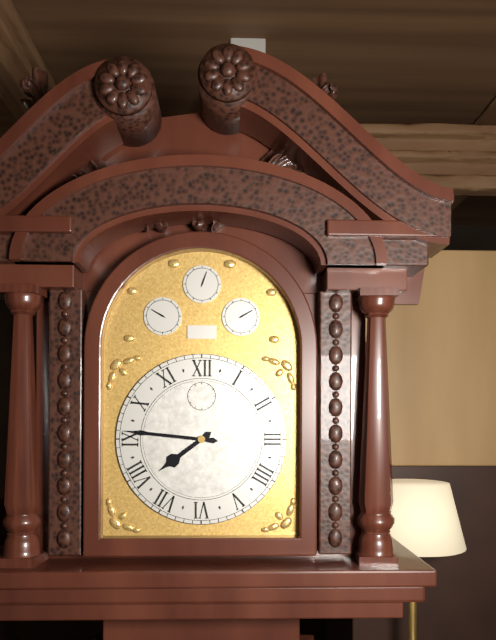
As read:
7.46
